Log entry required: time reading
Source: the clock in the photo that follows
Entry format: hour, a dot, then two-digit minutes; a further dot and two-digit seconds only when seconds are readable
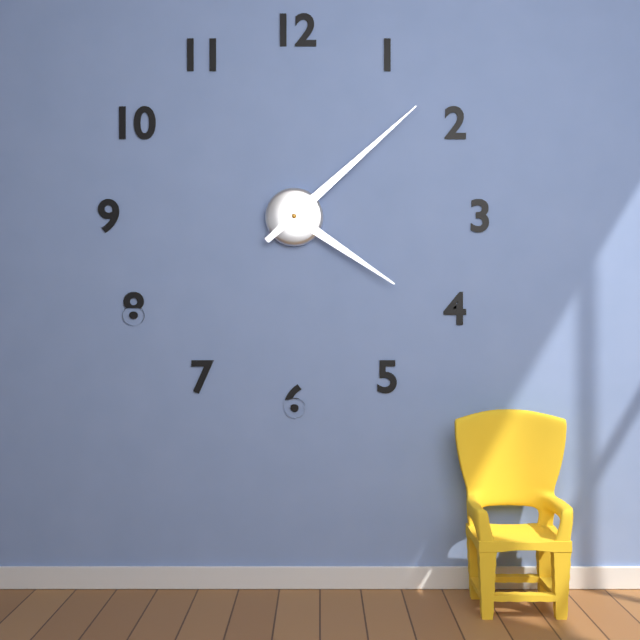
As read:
4.08
